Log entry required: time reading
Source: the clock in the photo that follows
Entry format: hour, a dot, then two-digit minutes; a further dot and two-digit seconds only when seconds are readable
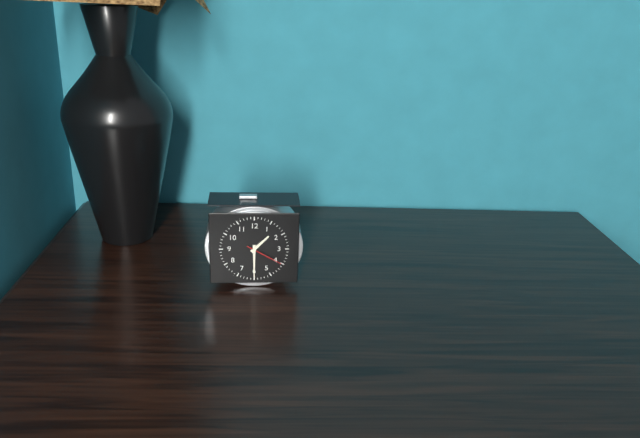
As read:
1.30
